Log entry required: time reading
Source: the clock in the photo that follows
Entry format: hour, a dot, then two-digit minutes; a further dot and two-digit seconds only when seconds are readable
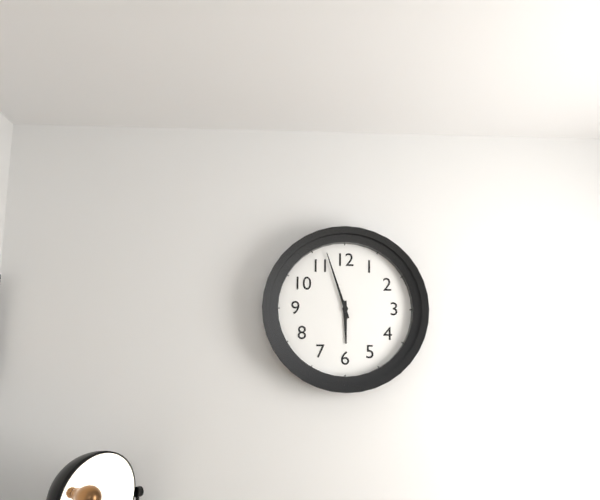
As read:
5.57
